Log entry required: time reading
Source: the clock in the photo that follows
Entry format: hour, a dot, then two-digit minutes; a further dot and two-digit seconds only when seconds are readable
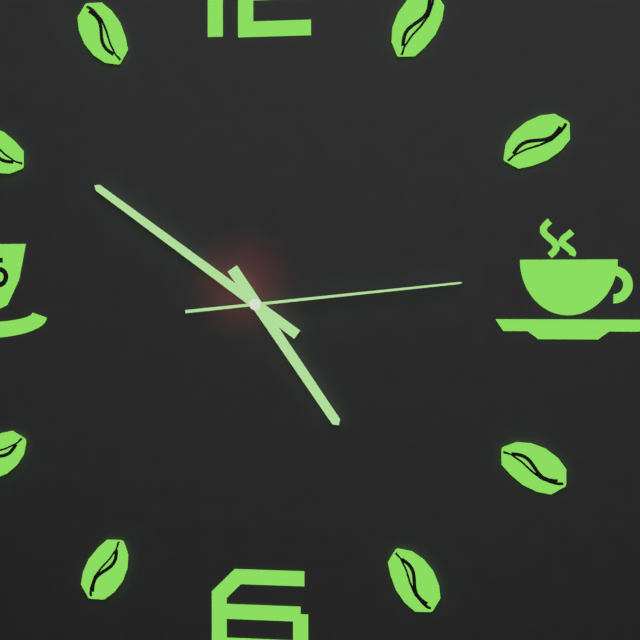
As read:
4.51.14
